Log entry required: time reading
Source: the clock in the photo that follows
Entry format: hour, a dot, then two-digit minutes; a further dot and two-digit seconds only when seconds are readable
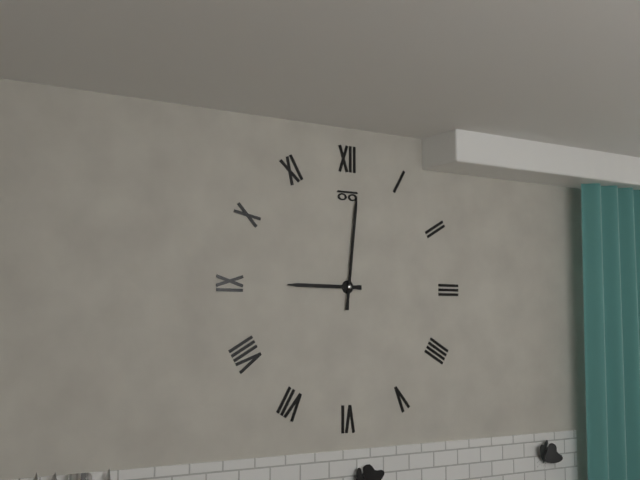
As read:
9.01
